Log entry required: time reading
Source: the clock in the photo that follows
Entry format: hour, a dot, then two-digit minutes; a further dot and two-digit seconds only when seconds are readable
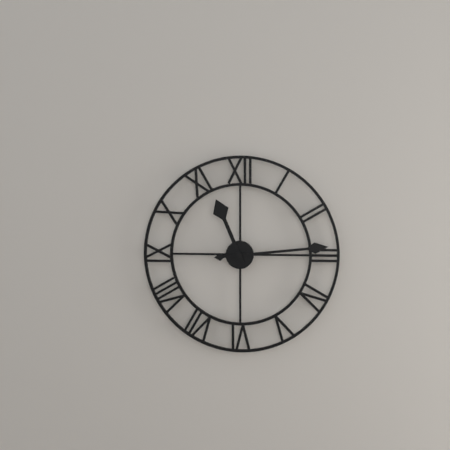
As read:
11.14
